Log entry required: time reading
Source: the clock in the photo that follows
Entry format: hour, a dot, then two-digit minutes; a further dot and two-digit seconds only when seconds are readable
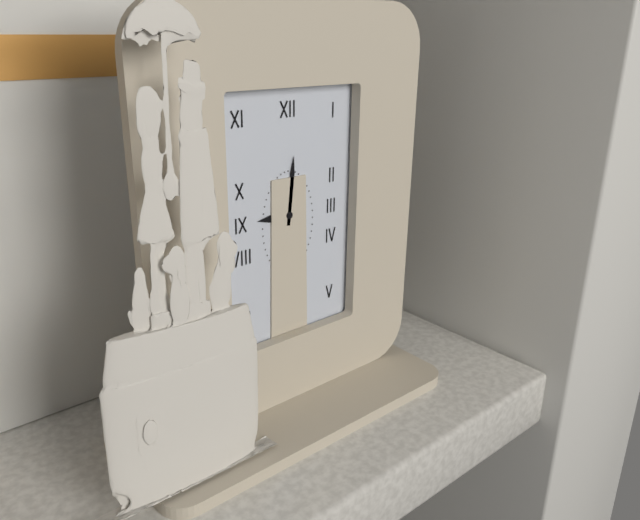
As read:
9.01
